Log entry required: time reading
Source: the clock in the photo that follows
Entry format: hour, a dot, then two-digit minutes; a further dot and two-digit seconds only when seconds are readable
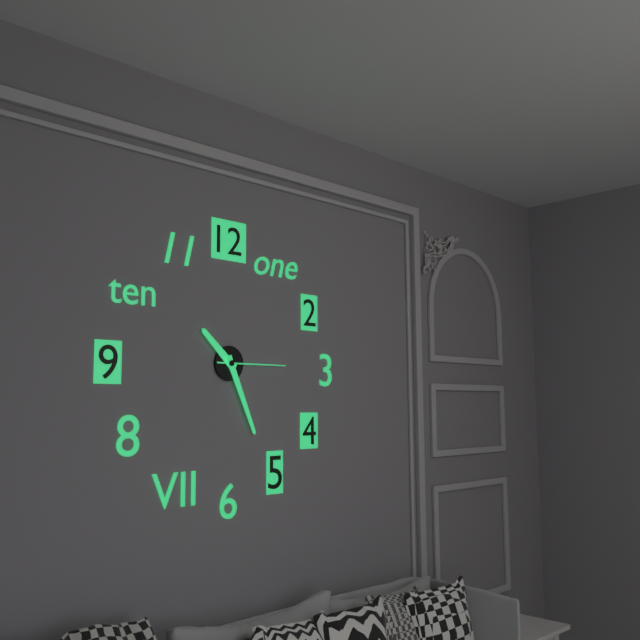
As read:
10.26.15
